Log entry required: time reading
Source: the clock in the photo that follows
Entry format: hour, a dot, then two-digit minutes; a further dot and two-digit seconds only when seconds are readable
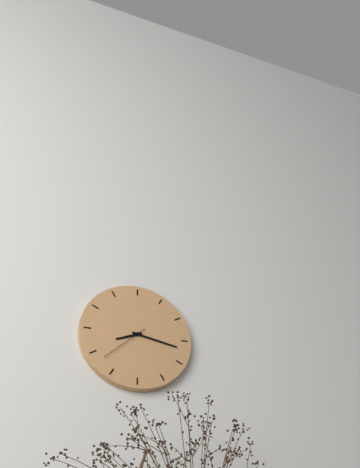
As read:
8.17.38
